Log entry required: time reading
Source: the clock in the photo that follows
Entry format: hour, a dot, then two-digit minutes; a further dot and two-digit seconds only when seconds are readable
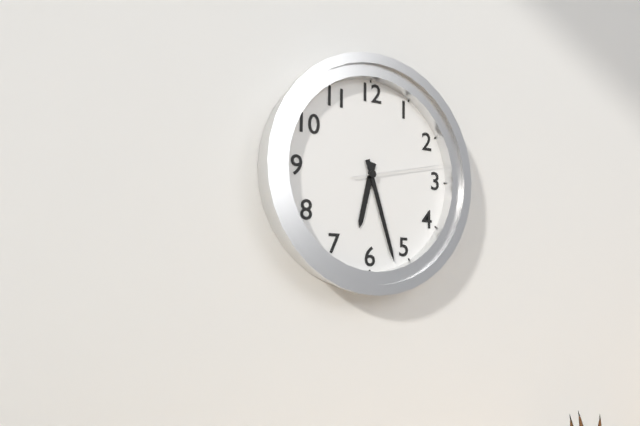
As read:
6.27.13
